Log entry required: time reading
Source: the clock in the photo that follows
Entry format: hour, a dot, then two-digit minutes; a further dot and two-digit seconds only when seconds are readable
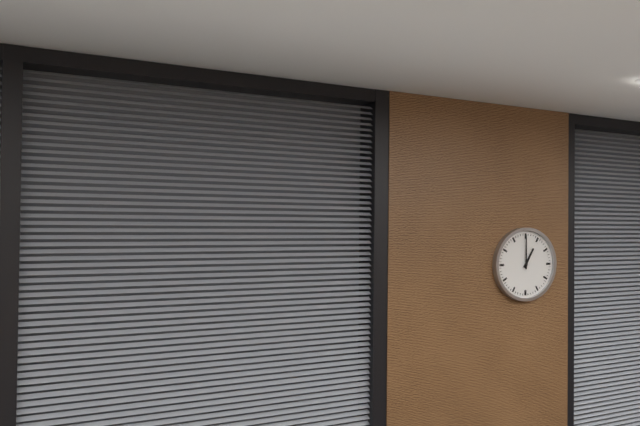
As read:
1.00
